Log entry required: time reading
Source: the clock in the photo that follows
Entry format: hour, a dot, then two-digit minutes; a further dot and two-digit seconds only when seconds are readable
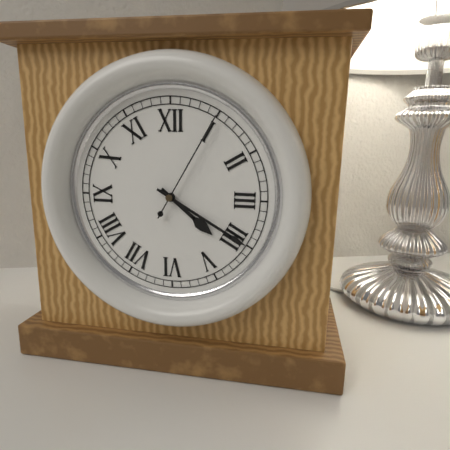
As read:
4.20.05
